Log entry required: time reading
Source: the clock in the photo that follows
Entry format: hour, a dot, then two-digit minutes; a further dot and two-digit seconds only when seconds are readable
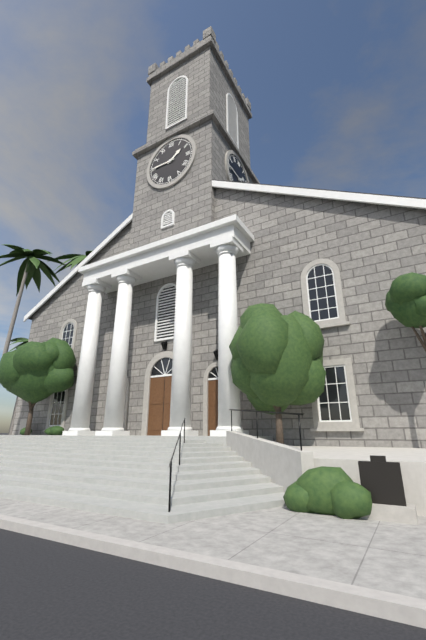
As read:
1.45
